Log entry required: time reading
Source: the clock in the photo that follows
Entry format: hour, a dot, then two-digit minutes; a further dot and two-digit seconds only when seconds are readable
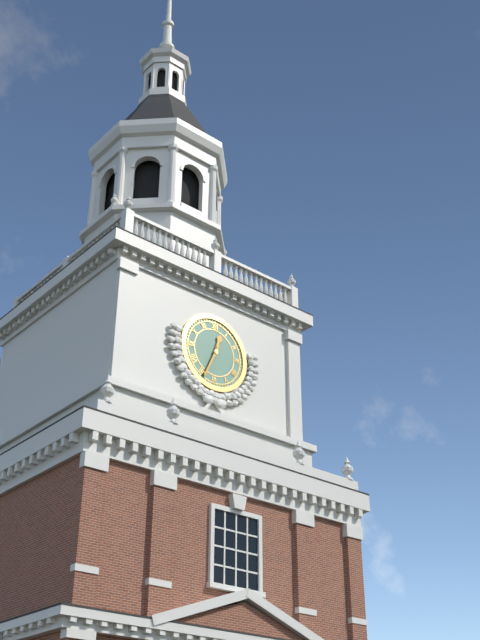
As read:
12.34
